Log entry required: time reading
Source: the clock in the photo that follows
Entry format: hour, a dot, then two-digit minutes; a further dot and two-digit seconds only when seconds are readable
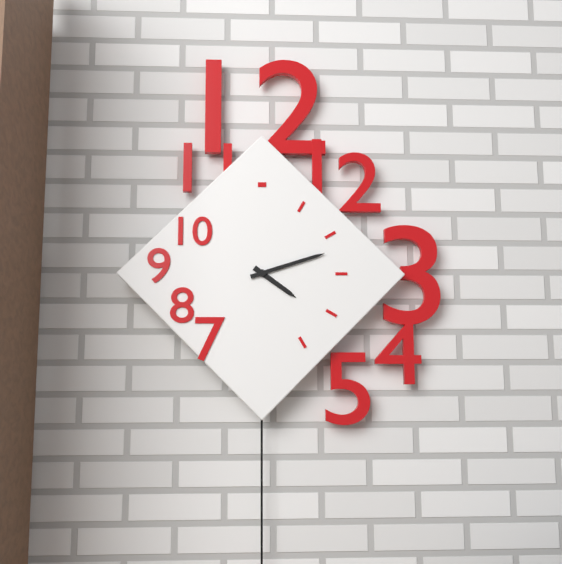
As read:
4.12
